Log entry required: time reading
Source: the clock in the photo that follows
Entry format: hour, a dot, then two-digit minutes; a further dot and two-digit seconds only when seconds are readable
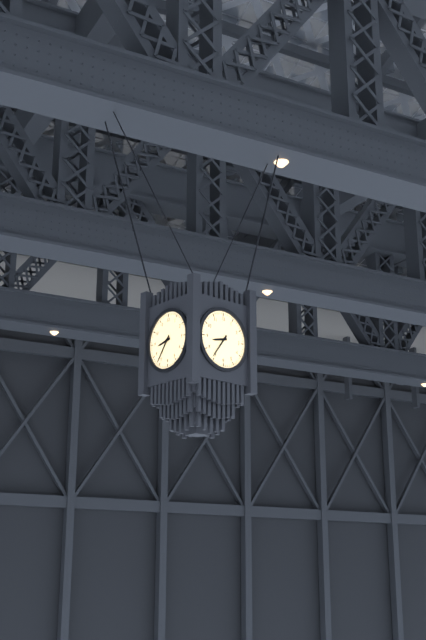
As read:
8.36
